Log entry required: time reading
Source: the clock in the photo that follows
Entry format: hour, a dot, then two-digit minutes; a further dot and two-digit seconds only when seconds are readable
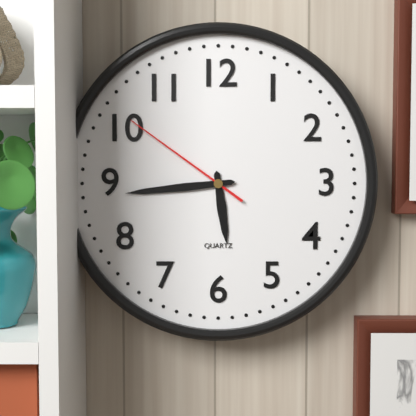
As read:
5.44.51
